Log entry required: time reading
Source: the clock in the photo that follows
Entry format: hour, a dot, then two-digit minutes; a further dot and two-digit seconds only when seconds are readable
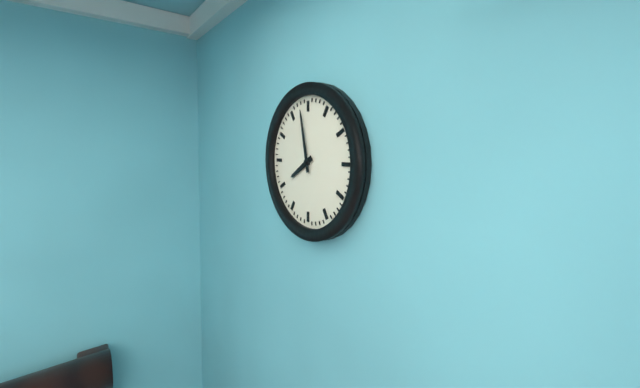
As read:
7.58
